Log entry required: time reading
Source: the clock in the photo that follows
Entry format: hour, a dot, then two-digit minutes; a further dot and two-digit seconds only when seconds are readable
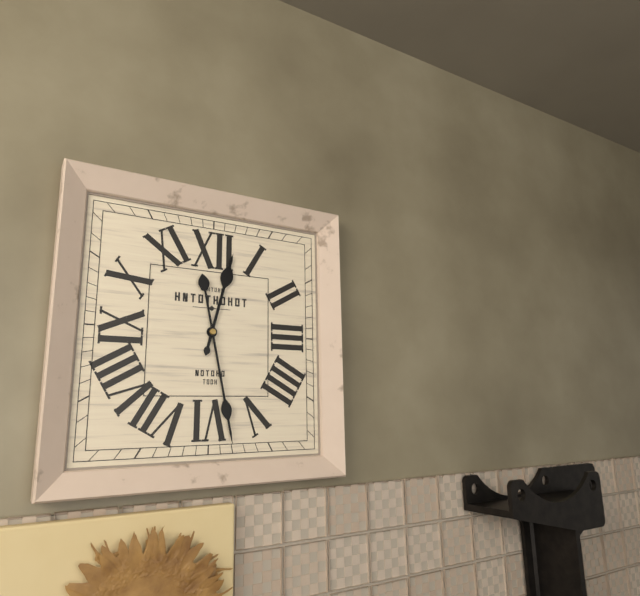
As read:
12.28
